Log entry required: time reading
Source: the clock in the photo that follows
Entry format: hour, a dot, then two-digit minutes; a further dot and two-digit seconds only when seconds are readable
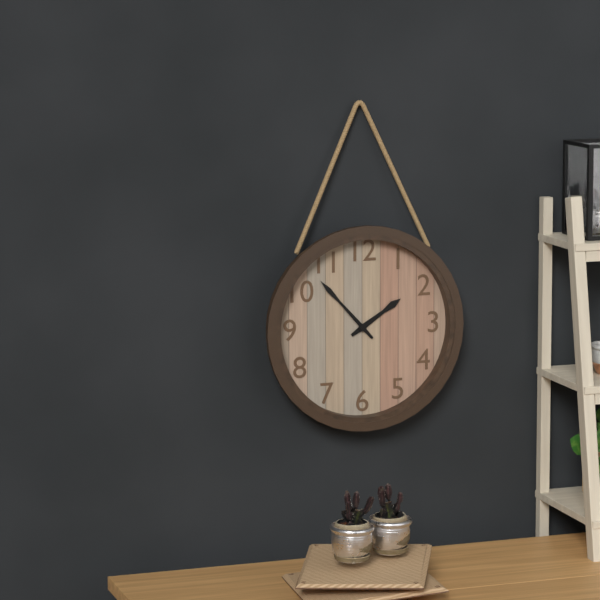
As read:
1.53
